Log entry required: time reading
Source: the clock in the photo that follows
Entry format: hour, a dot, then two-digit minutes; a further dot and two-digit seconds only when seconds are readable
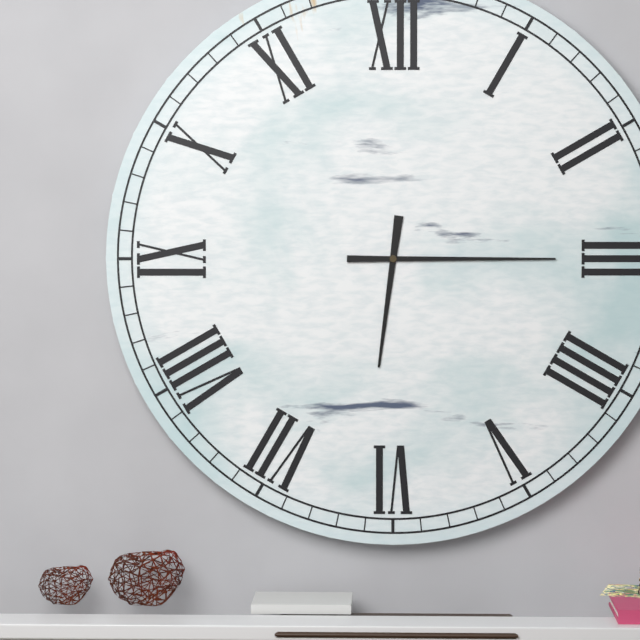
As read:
6.15
